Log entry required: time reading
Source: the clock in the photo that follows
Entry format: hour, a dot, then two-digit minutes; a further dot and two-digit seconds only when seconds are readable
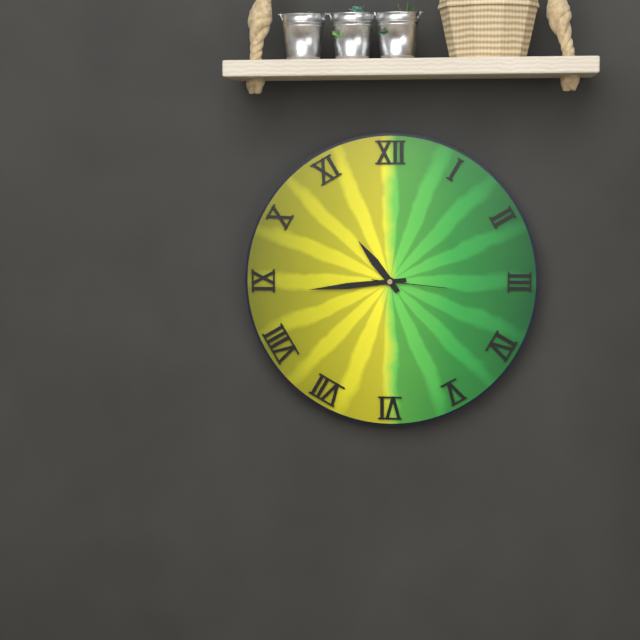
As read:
10.44.16
